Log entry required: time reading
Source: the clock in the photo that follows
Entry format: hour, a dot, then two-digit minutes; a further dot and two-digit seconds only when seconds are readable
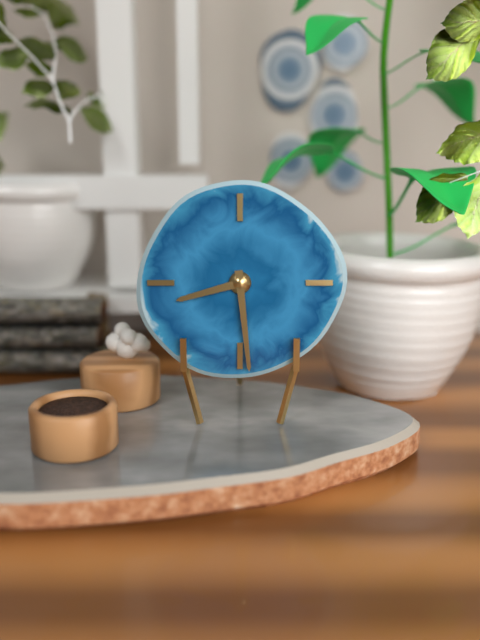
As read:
8.29
